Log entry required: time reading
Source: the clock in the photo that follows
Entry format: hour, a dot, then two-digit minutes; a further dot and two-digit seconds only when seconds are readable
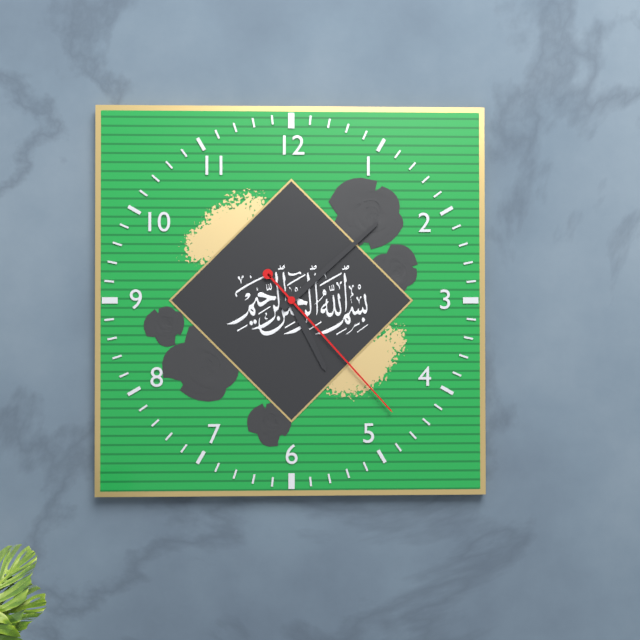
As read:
5.08.23
